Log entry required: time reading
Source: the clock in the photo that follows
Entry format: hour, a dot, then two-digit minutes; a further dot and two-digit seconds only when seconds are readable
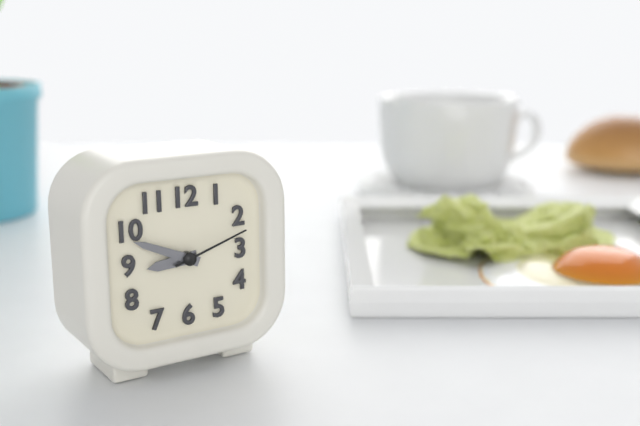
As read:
8.49.12
